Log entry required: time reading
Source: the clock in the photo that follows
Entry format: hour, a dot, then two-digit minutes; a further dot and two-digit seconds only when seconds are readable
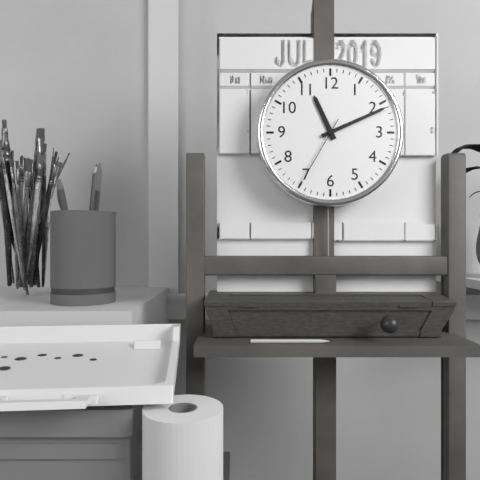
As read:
11.11.35
